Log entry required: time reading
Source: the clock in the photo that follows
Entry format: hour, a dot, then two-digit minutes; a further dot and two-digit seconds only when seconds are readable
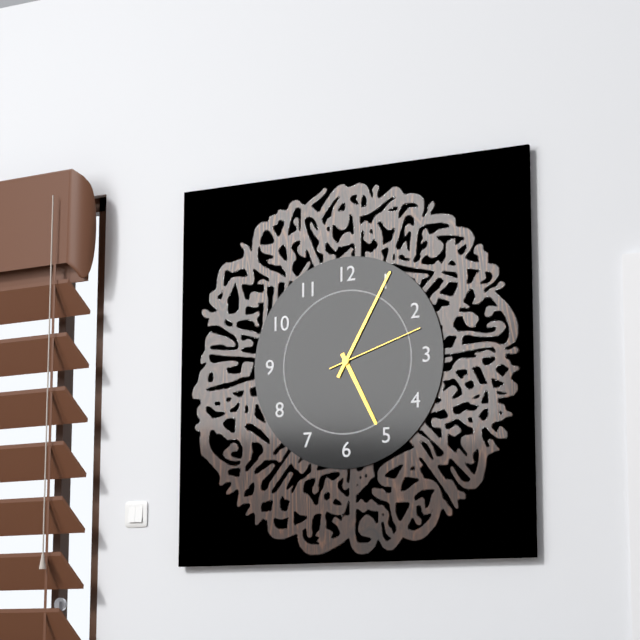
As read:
5.05.12
